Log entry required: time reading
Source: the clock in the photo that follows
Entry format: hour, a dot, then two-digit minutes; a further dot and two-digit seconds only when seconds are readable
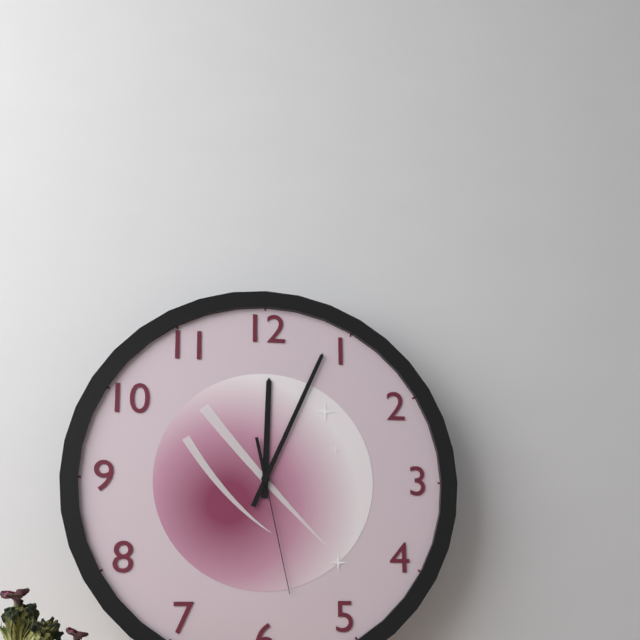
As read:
12.04.28
